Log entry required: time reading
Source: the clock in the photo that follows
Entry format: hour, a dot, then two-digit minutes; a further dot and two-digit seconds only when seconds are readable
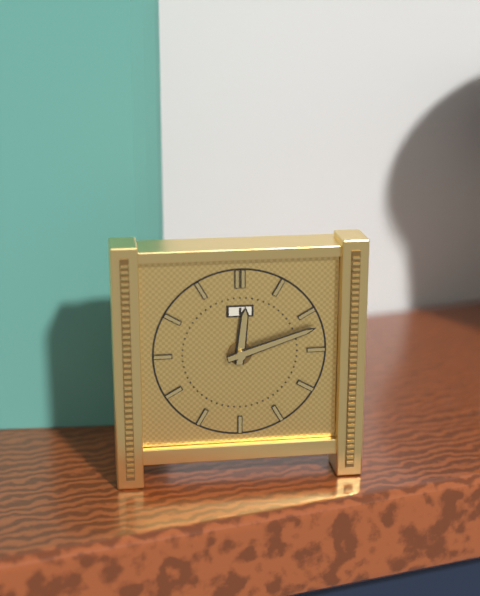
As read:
12.12
